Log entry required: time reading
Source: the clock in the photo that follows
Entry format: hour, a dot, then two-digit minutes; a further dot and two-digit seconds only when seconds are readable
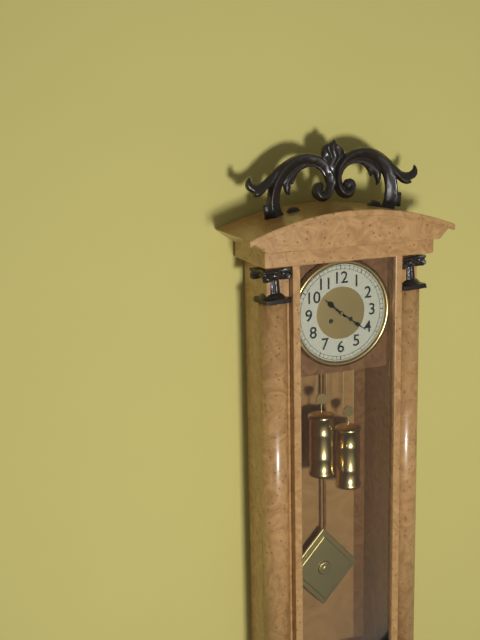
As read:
10.21
